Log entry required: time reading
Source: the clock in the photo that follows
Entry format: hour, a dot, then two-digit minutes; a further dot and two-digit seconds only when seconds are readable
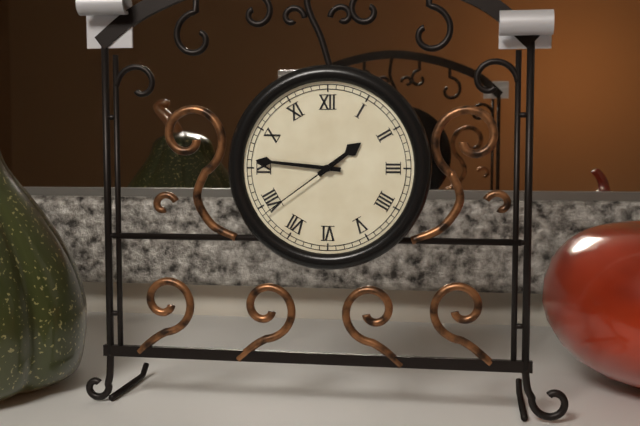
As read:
1.46.39
